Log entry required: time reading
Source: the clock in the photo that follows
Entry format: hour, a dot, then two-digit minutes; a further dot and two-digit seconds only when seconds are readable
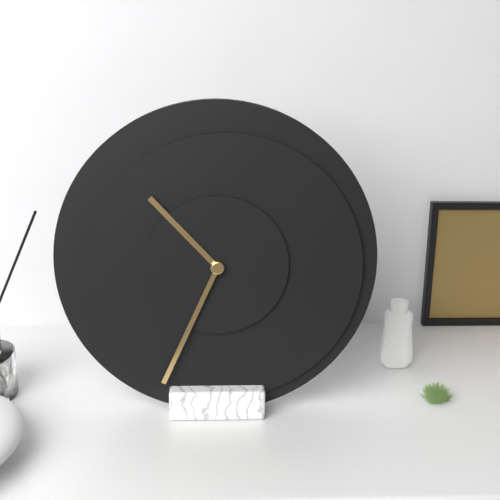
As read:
10.34
